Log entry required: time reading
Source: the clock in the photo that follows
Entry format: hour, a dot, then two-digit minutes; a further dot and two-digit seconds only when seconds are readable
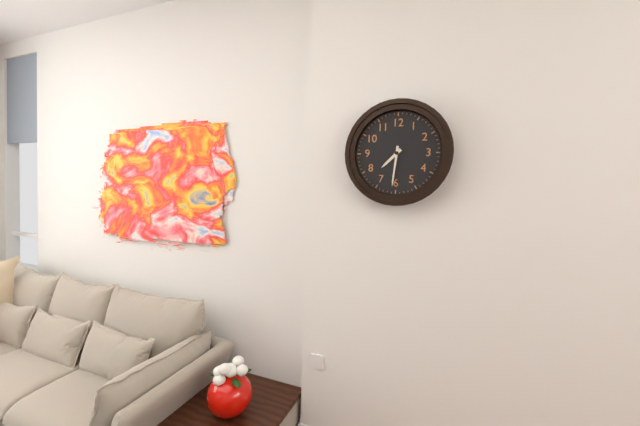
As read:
7.31
